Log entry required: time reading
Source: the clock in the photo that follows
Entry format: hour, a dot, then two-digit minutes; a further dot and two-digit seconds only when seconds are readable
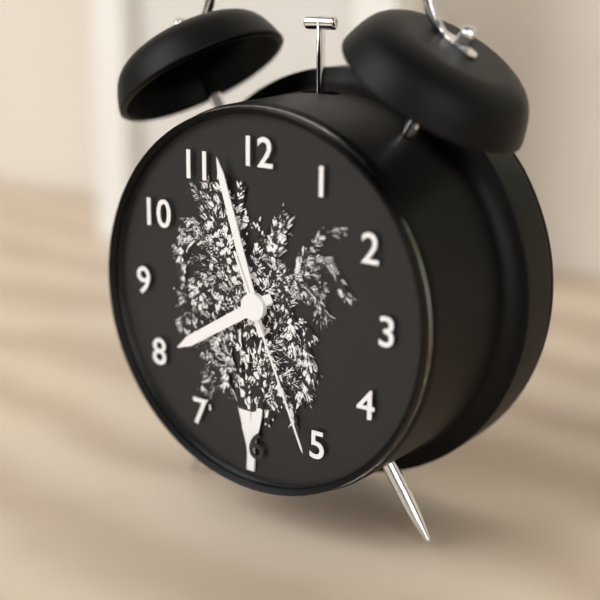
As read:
7.57.26
